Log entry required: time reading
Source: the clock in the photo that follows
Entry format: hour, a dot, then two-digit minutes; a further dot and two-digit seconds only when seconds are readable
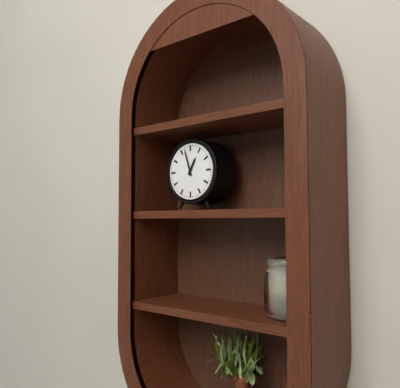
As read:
12.57
